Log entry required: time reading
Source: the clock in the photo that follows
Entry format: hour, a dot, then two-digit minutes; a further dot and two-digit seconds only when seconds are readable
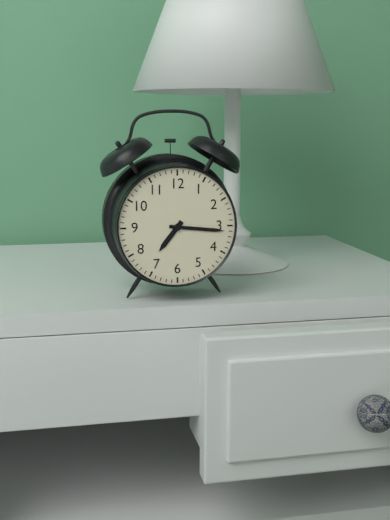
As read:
7.16
